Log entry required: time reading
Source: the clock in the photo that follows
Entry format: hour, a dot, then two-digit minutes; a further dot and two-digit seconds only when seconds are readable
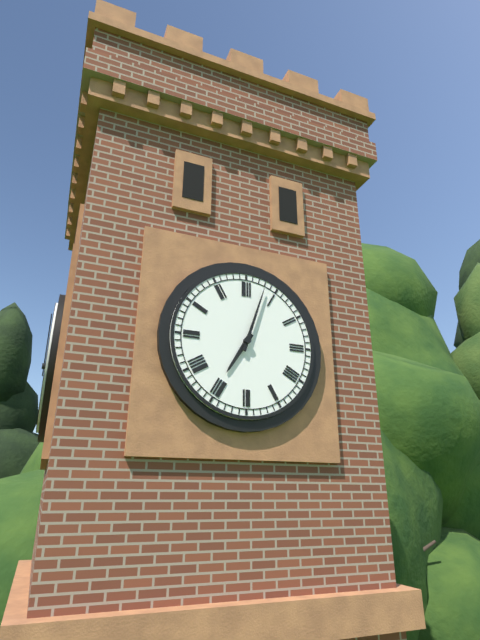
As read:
7.03
